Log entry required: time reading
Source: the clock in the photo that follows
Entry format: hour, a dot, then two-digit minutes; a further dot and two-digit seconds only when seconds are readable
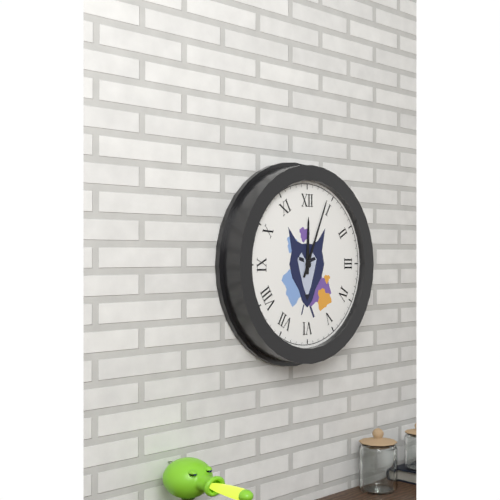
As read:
12.04
